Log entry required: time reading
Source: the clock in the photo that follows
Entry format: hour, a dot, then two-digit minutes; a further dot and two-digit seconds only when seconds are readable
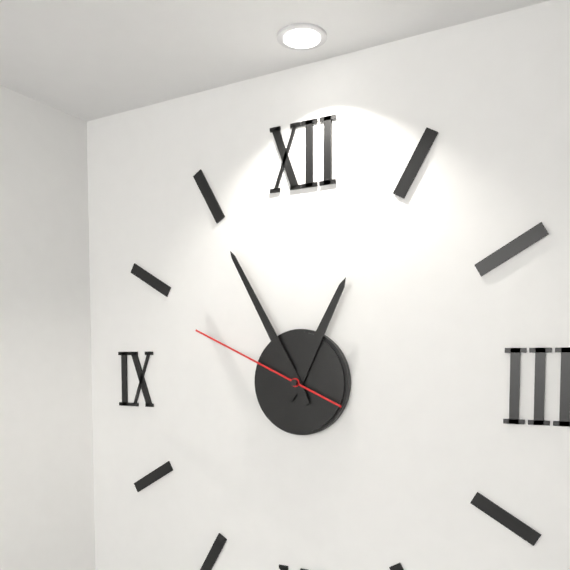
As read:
12.55.49
